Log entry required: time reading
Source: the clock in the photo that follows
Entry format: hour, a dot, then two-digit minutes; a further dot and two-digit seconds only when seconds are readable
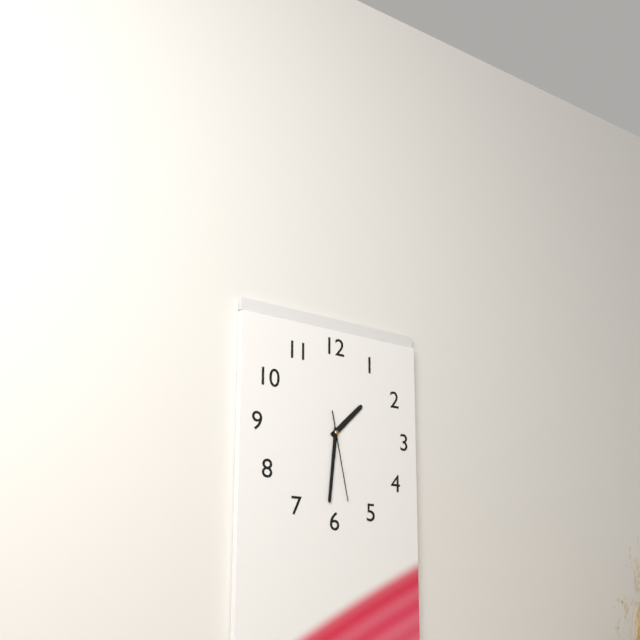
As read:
1.31.28
